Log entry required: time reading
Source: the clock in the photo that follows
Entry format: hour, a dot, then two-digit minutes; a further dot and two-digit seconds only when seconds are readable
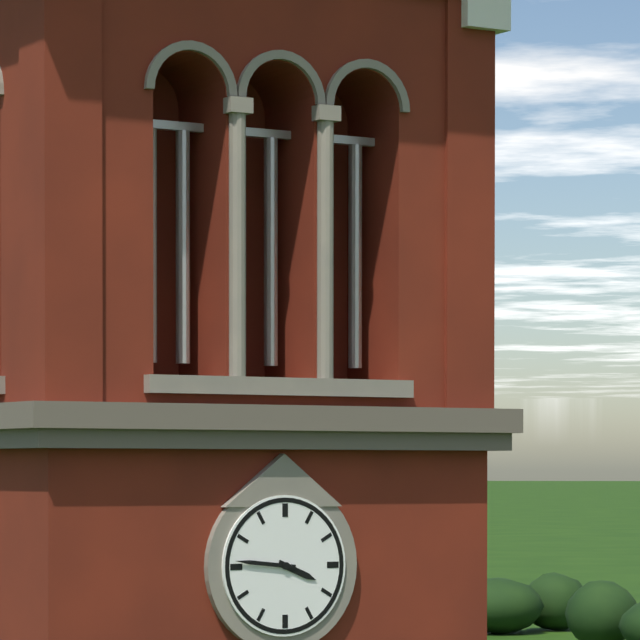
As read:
3.46
